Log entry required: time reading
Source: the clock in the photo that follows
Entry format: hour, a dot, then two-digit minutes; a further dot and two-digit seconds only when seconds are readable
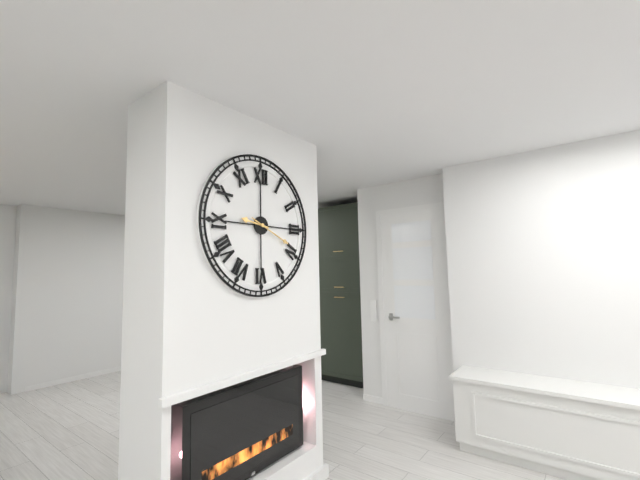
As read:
9.19
